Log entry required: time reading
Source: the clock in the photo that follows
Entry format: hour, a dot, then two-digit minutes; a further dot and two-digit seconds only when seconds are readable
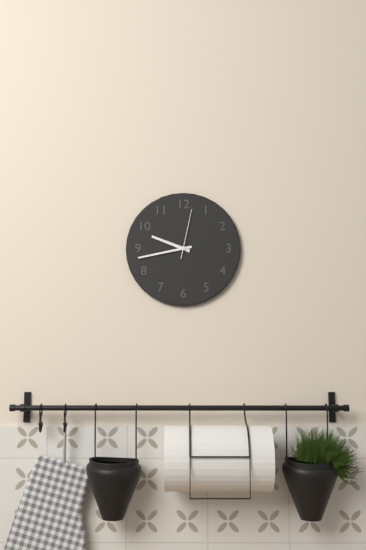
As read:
9.43
